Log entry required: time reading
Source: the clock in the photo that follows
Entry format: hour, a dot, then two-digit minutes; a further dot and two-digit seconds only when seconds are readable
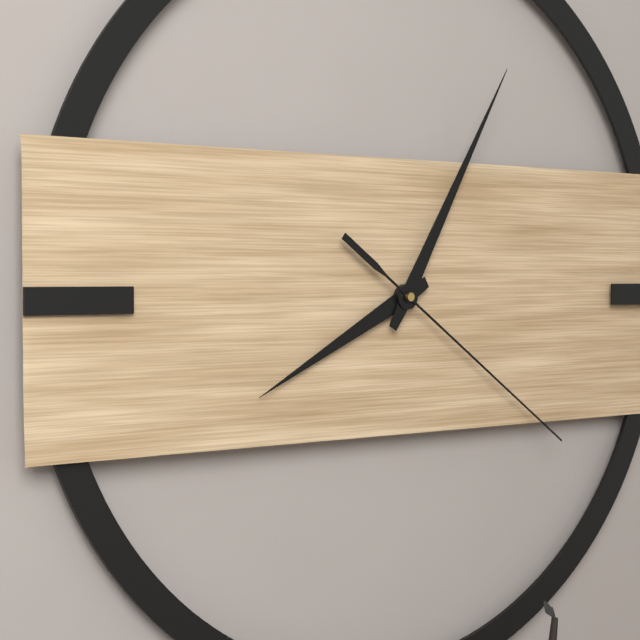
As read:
8.05.21
